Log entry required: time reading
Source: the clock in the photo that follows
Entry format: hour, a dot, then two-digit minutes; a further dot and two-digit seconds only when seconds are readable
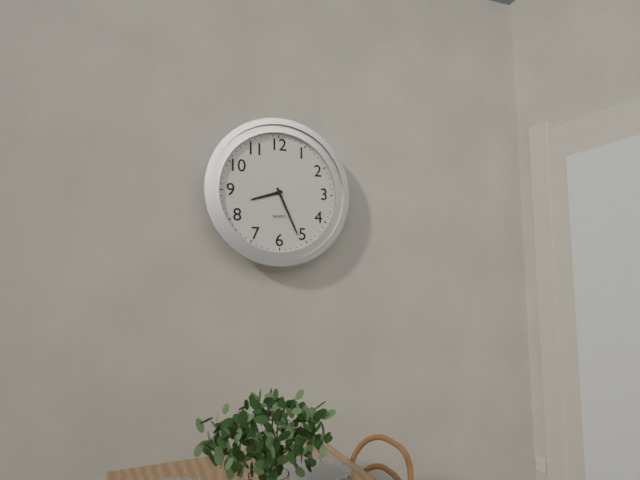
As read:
8.26
